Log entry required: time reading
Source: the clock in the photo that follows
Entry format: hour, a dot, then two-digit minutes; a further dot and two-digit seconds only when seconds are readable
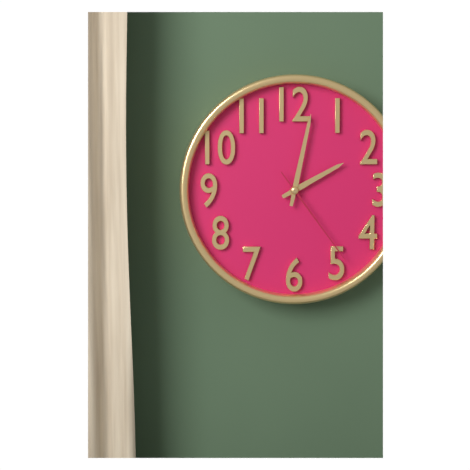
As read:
2.02.24
